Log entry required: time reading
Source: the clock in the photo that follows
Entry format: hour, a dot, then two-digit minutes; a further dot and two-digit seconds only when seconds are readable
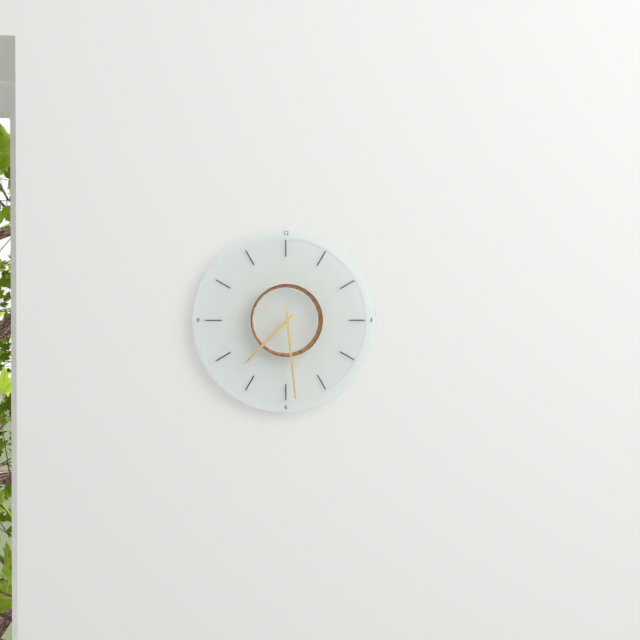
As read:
7.29
